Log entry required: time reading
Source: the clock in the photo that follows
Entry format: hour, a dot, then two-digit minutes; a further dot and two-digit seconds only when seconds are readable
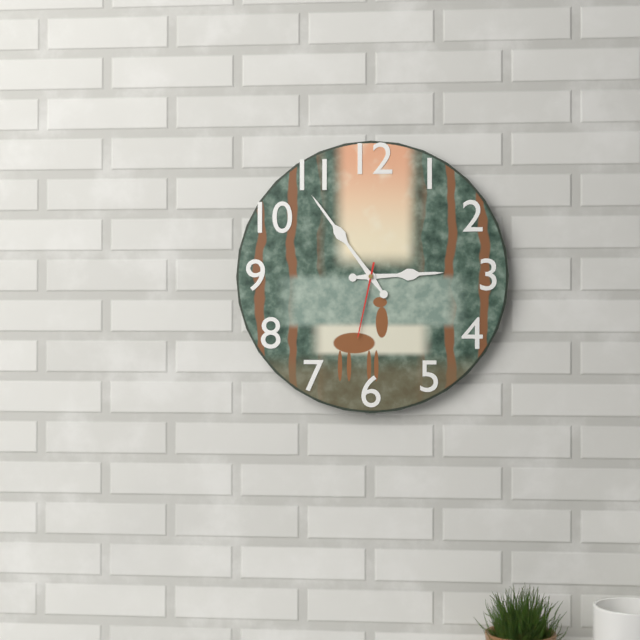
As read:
2.54.32
